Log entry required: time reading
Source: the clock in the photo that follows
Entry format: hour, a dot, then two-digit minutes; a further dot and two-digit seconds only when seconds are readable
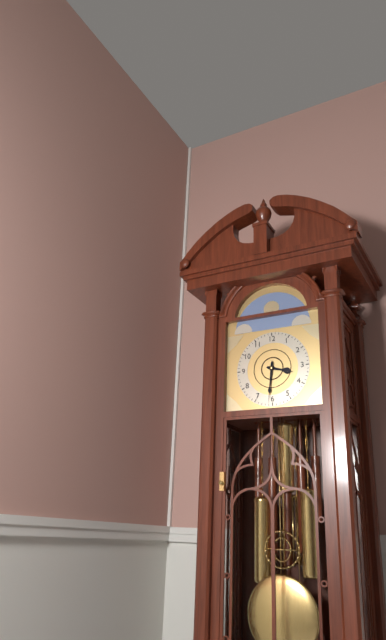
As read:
3.31
